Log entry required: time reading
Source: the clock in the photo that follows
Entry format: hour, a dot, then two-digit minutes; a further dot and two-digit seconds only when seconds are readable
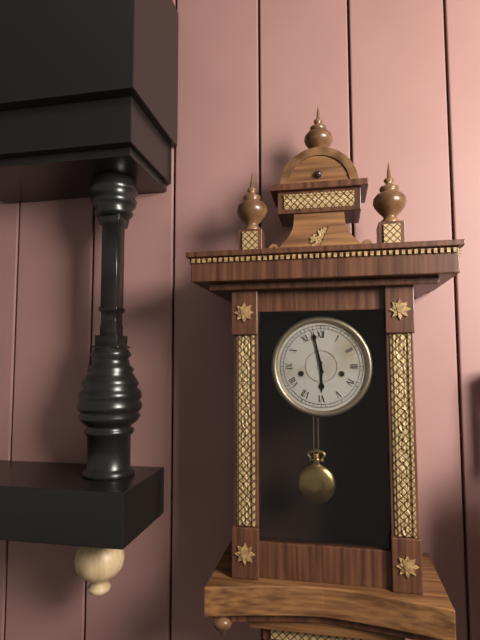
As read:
5.58
